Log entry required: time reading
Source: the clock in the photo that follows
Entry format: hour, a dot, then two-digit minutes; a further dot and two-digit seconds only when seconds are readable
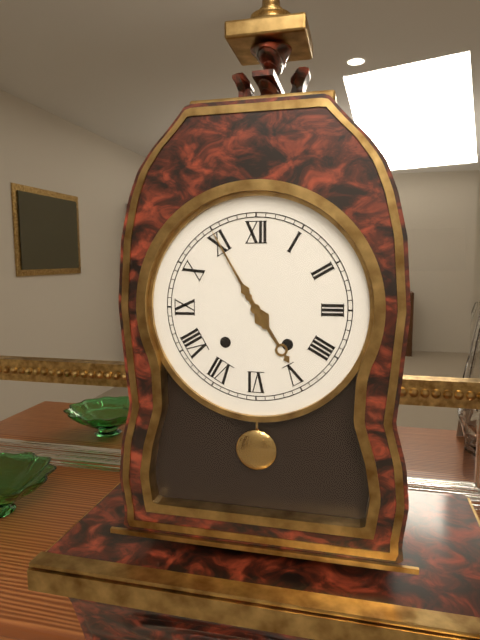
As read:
4.55
